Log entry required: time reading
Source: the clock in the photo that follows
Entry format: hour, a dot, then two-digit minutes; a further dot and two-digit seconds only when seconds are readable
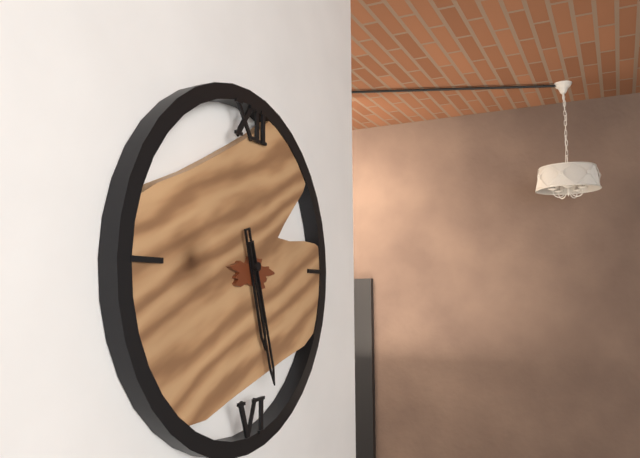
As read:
5.27
